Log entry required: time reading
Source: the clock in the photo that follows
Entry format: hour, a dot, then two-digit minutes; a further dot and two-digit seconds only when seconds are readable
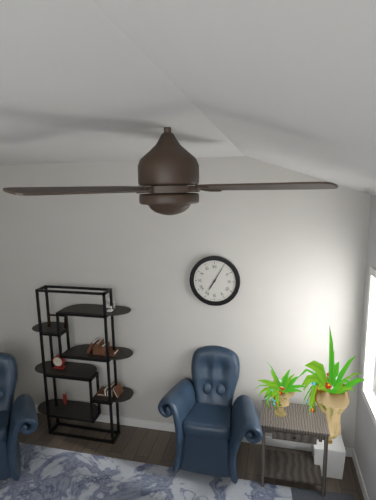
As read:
7.05
